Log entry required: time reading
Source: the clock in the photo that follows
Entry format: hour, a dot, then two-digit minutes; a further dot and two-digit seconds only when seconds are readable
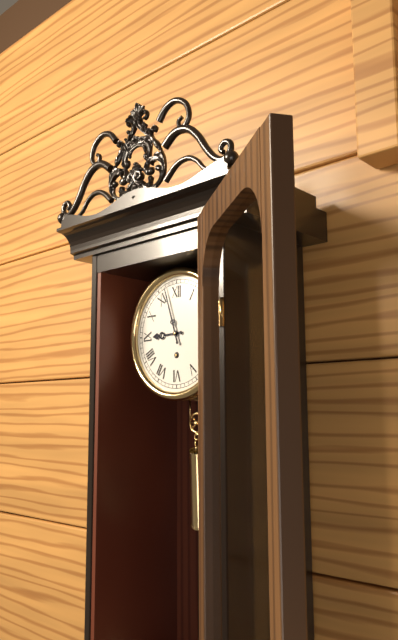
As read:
8.57
